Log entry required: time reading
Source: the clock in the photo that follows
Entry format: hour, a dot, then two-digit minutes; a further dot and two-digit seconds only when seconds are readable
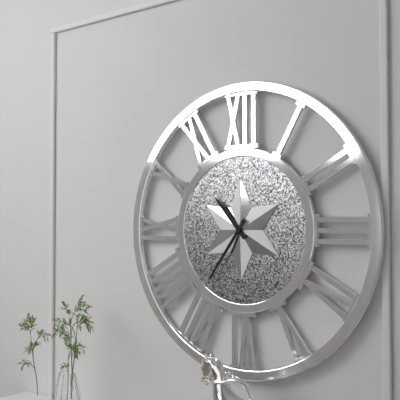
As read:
10.36
